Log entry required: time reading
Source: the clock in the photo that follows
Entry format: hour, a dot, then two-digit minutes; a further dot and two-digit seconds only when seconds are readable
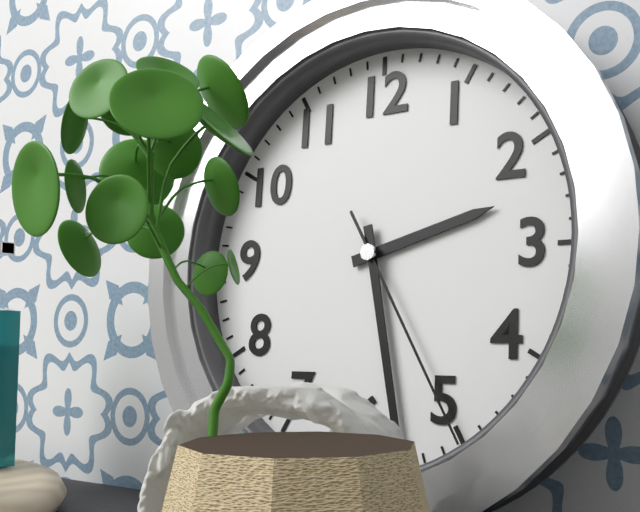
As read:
2.28.25
